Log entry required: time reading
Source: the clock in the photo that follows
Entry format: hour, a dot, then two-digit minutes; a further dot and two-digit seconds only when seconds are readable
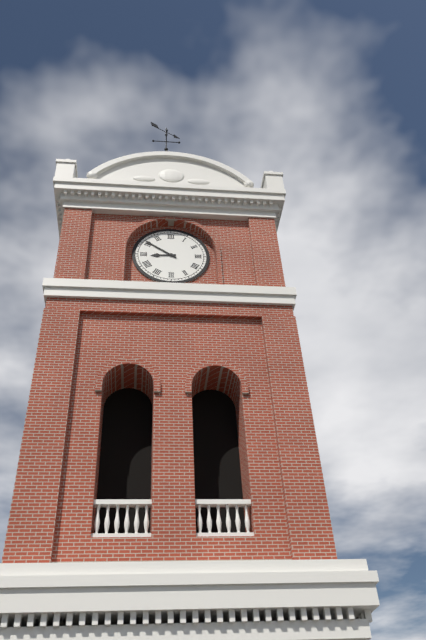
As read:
8.51
